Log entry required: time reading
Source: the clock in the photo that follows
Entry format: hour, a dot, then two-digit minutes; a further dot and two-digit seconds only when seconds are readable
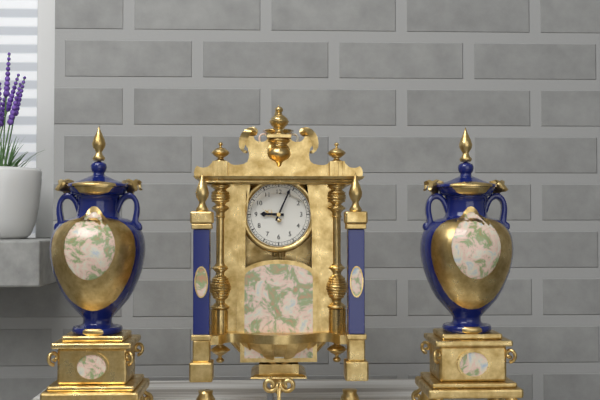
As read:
9.04
